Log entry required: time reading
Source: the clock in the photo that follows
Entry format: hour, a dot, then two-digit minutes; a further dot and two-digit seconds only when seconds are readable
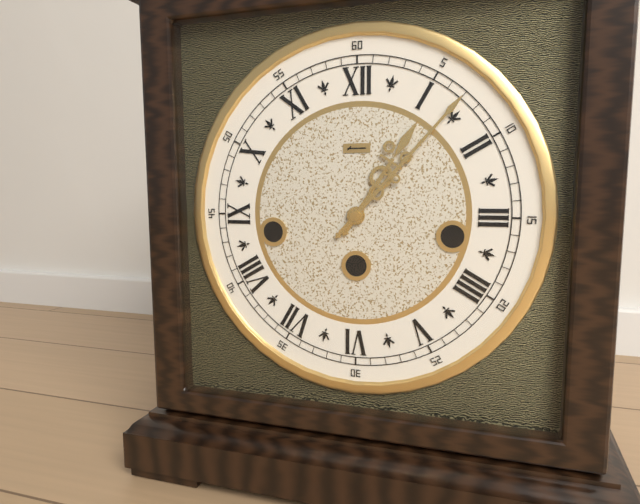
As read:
1.07
